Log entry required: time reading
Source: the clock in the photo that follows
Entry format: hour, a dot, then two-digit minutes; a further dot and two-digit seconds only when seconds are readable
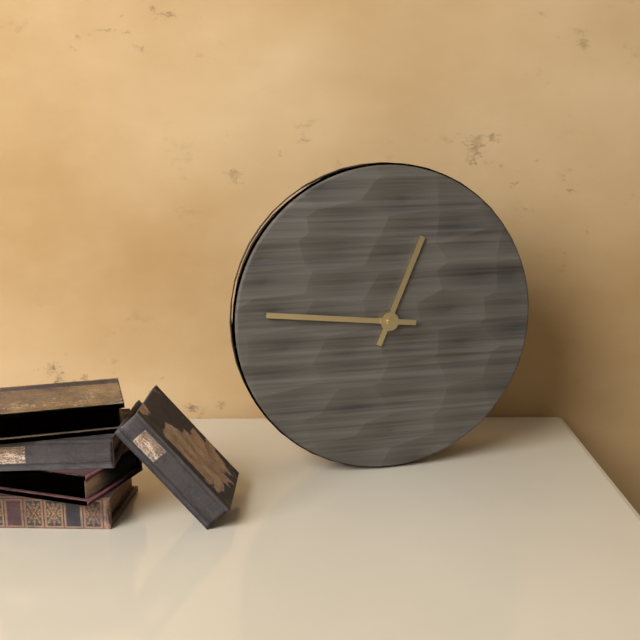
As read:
12.46
